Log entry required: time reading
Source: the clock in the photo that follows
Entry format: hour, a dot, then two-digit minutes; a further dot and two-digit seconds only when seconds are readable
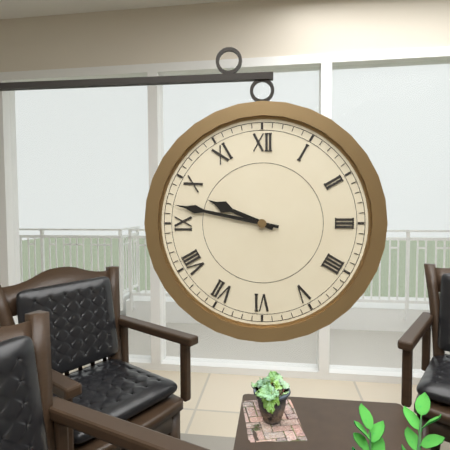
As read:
9.47
